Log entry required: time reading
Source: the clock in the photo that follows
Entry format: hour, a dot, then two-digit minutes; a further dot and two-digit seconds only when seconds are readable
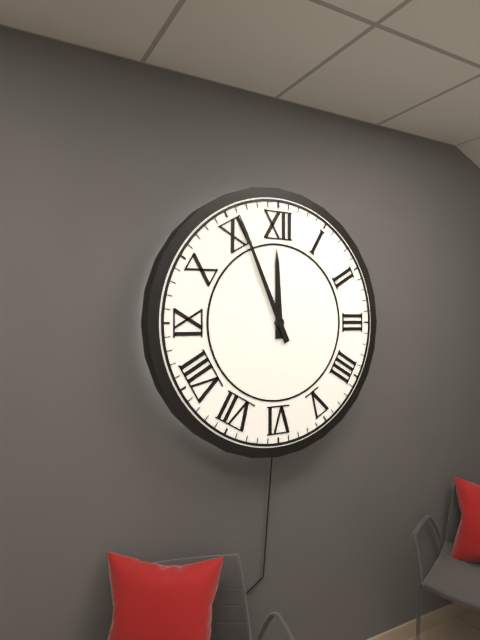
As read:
11.56
